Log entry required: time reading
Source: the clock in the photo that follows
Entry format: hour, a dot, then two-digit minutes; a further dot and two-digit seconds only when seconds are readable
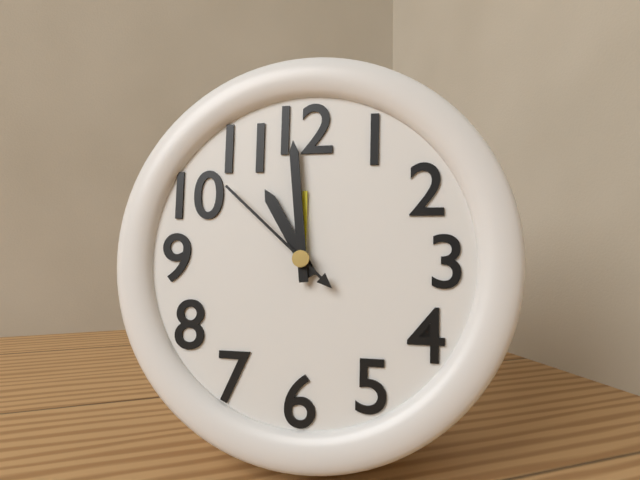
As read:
10.59.52
